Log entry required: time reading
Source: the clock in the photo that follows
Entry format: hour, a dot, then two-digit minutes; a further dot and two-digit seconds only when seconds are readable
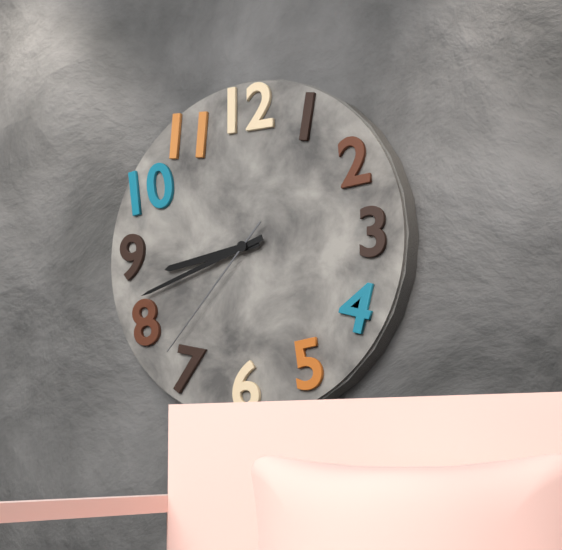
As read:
8.42.37
